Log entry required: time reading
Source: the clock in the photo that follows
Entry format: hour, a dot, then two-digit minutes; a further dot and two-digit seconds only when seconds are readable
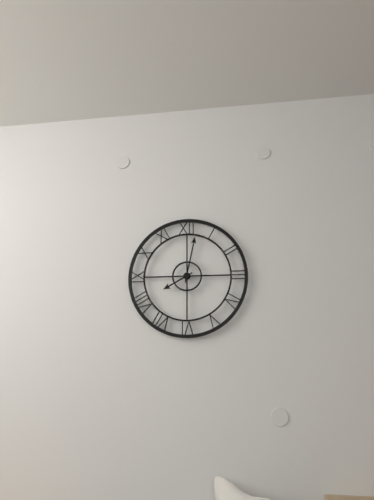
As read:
8.02
